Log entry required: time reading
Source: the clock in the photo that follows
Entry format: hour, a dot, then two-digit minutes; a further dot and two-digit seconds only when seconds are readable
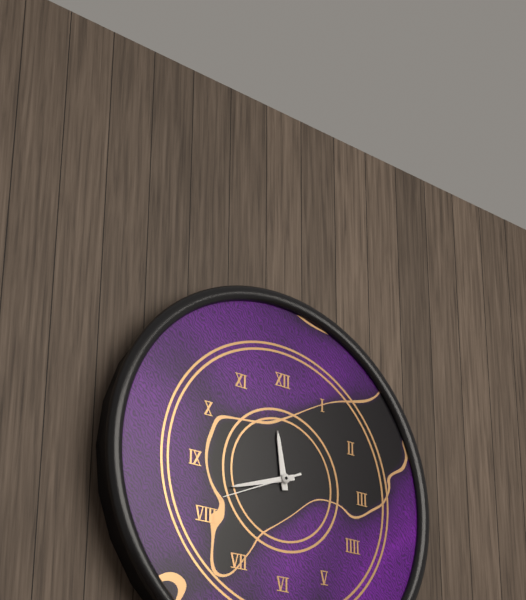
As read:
11.42.41
